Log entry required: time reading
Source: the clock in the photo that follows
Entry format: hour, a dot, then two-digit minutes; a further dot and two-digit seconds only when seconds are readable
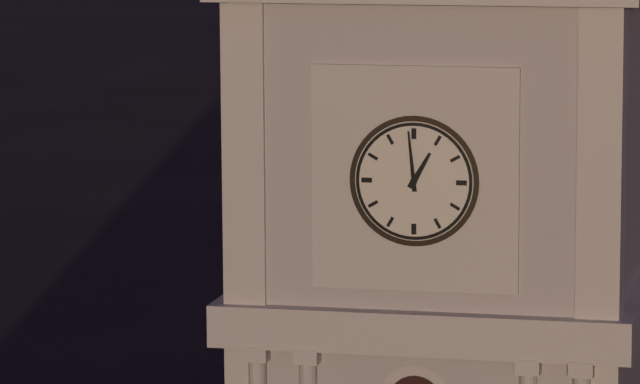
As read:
12.59
